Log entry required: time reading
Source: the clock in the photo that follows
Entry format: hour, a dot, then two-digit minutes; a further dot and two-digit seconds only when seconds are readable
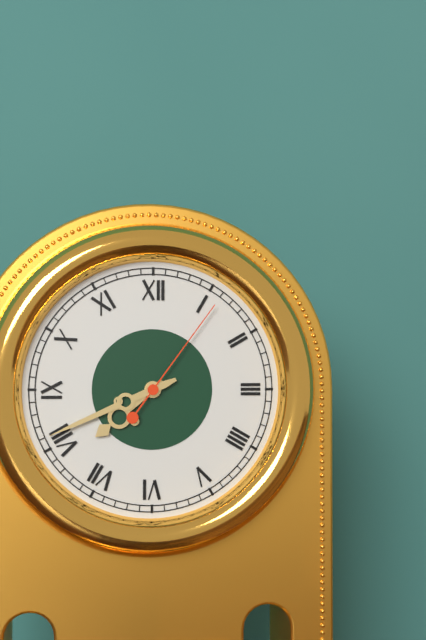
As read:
7.41.06
